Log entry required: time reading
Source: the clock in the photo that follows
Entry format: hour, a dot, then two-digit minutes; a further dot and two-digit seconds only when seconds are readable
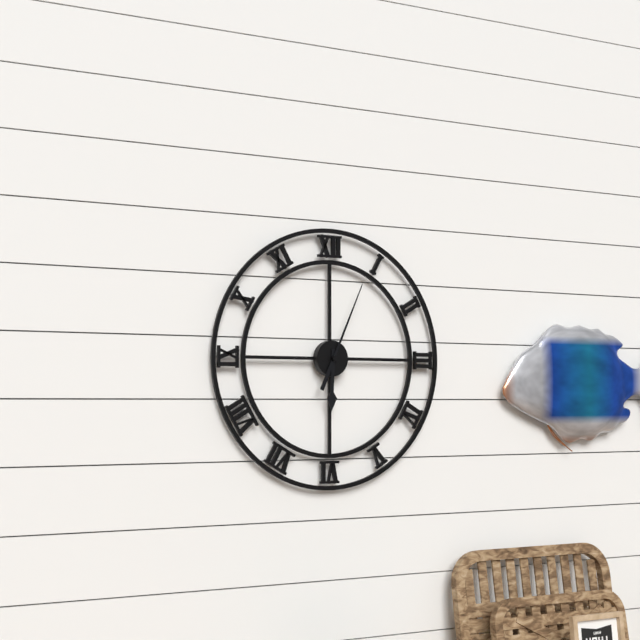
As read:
6.04
